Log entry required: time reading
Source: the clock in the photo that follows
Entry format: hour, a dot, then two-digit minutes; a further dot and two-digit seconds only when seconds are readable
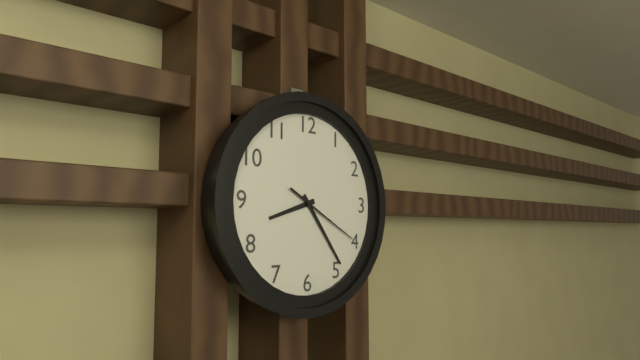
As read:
8.24.20
